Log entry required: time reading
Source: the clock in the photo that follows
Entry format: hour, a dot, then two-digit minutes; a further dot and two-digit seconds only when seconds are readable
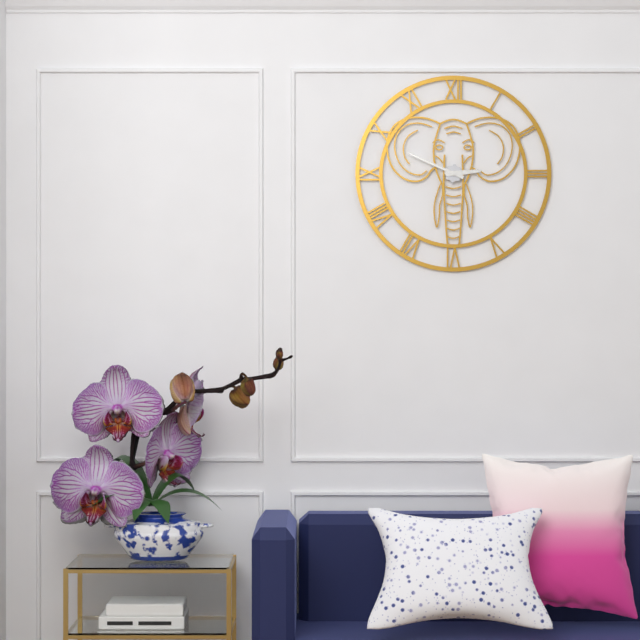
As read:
2.49
